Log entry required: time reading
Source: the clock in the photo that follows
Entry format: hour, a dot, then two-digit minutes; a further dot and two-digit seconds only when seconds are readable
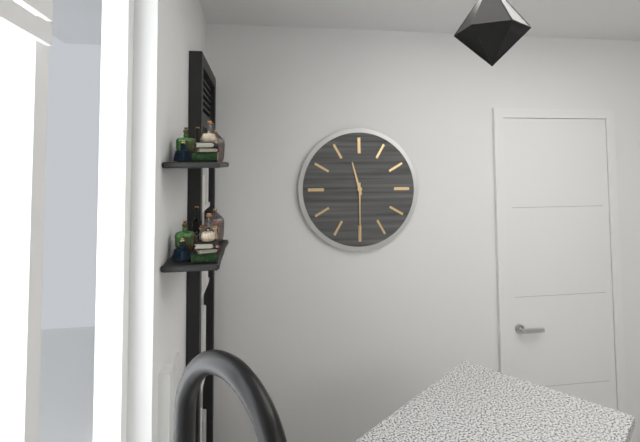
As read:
11.30
